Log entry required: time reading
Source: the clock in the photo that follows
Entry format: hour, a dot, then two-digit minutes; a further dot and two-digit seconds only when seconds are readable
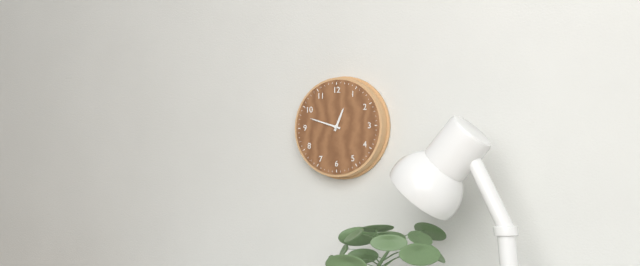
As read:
12.48
